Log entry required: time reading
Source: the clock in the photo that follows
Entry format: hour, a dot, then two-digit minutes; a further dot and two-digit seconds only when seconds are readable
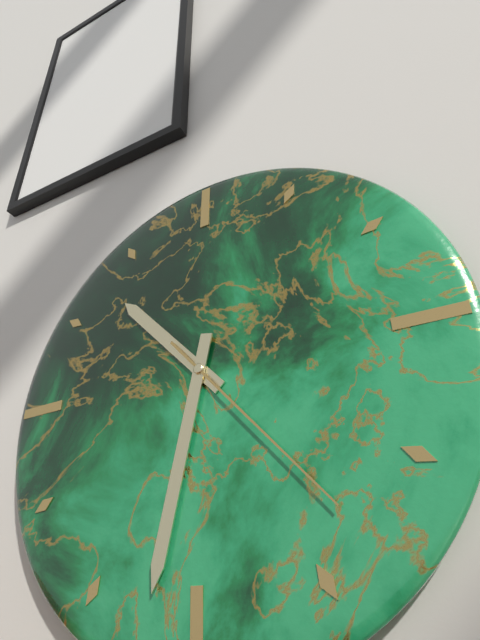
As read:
10.32.23
